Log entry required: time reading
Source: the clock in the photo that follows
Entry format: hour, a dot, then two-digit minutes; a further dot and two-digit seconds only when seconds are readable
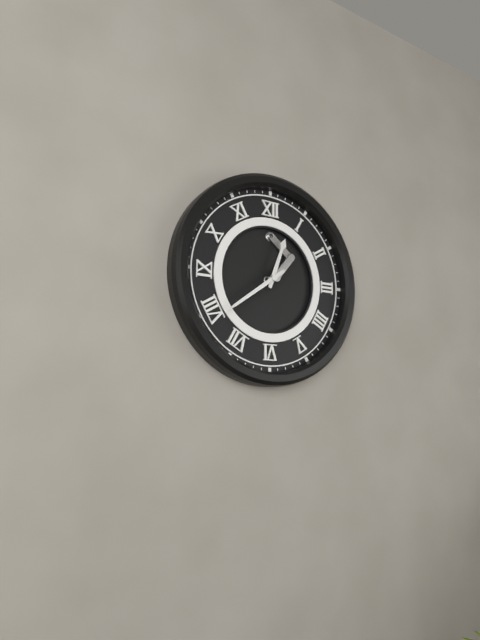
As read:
12.39
